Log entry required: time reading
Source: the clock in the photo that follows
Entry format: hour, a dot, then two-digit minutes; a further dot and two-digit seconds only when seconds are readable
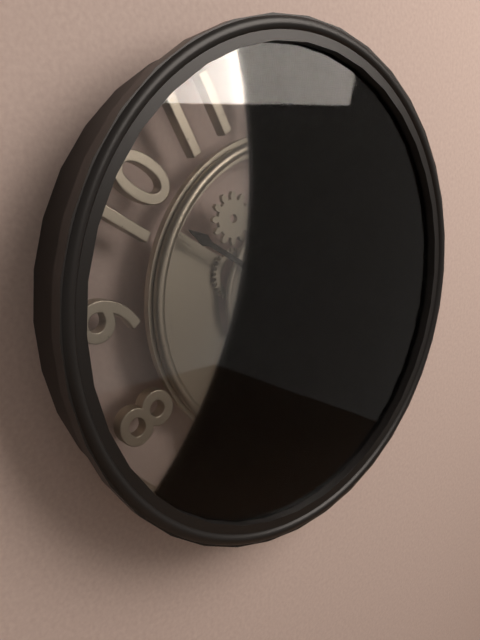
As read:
8.50.27
